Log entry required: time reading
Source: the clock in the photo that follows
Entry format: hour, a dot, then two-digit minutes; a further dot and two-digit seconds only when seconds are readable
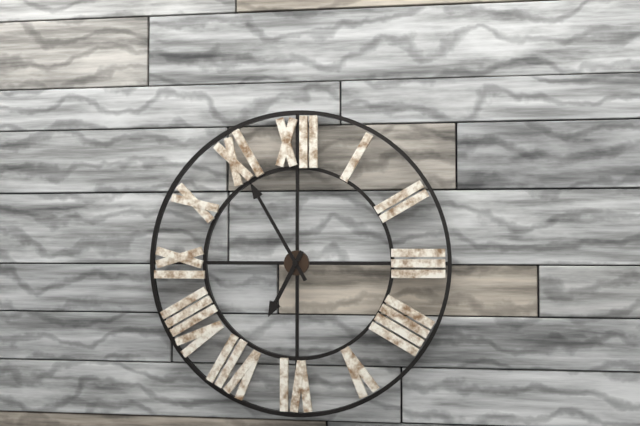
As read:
6.55
